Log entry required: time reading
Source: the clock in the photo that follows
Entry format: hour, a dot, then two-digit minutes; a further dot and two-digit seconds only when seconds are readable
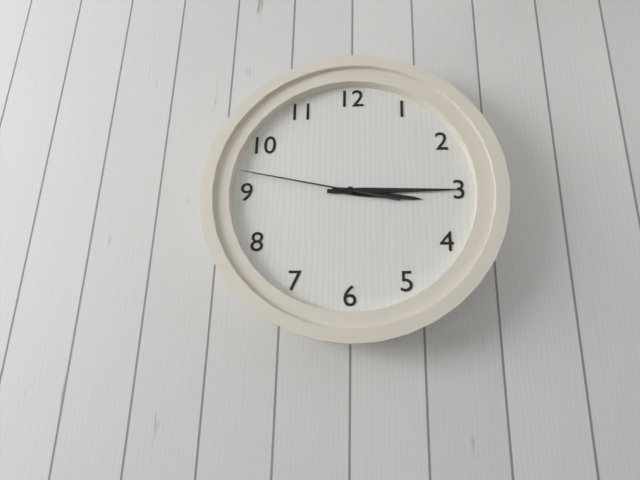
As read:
3.15.47
